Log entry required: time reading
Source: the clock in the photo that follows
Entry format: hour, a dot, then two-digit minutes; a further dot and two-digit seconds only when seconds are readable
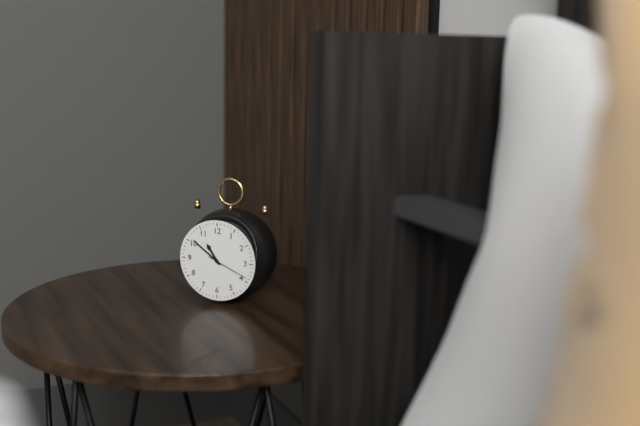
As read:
10.51
